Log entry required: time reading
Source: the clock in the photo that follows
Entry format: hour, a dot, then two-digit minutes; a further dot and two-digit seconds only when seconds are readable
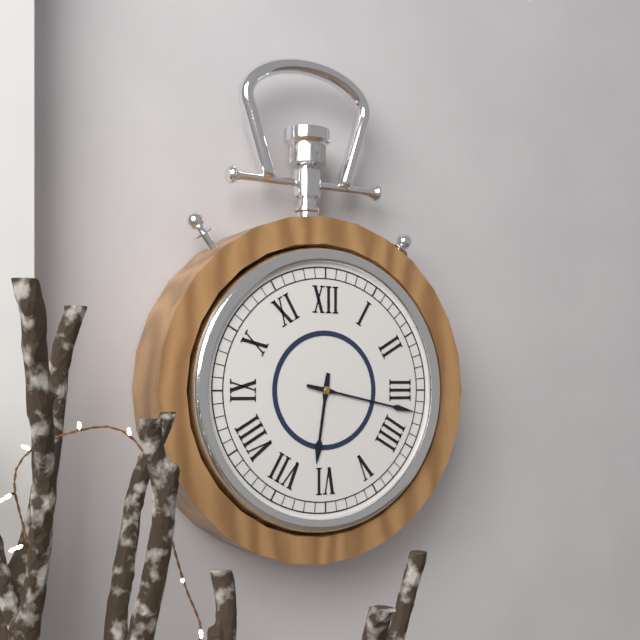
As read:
6.17
